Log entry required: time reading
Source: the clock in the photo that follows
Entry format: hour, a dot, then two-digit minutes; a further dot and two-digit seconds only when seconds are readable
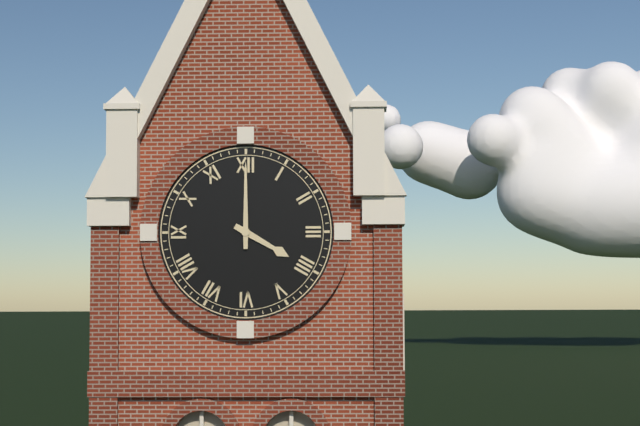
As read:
4.00
